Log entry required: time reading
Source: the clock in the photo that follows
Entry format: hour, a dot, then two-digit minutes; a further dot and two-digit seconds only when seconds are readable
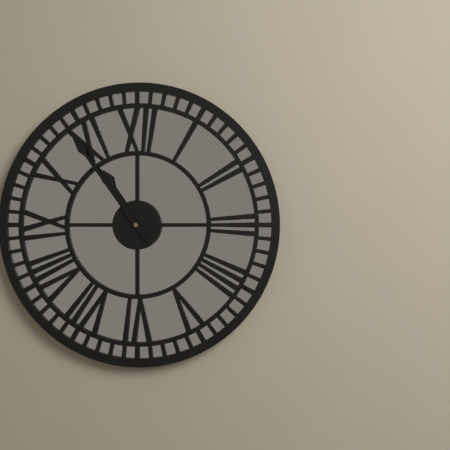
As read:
10.54
